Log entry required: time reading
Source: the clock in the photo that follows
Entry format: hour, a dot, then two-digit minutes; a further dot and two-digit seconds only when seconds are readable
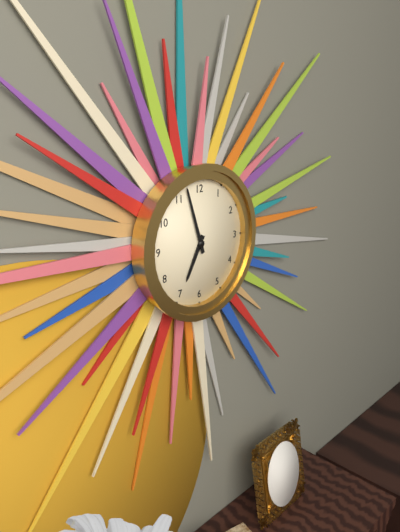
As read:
6.57
